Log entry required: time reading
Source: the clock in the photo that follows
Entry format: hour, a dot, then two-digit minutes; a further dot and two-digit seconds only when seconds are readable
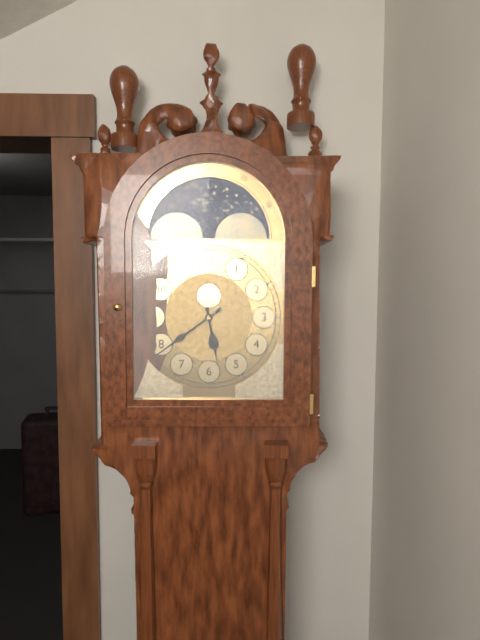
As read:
5.39
